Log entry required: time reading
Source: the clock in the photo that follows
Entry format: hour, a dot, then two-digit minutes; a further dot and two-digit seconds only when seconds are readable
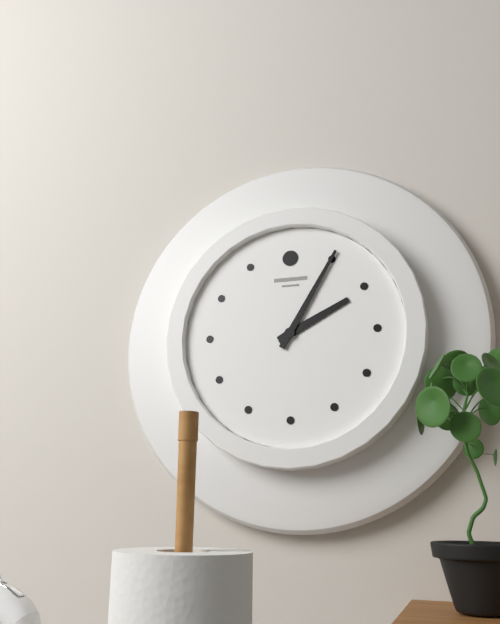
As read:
2.05
